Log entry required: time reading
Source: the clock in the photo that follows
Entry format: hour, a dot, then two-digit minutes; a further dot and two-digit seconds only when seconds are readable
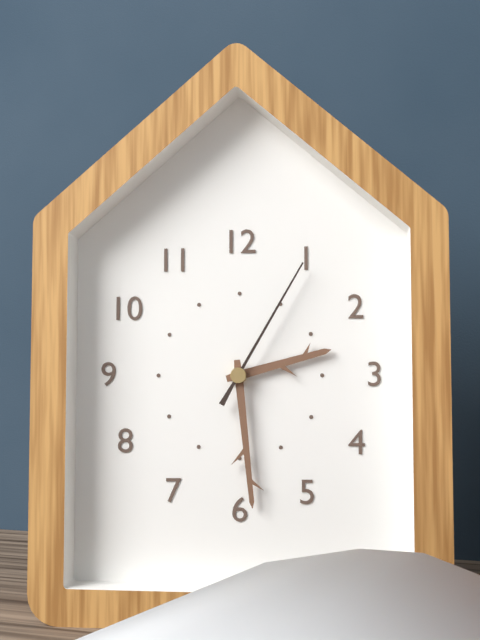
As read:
2.29.05
